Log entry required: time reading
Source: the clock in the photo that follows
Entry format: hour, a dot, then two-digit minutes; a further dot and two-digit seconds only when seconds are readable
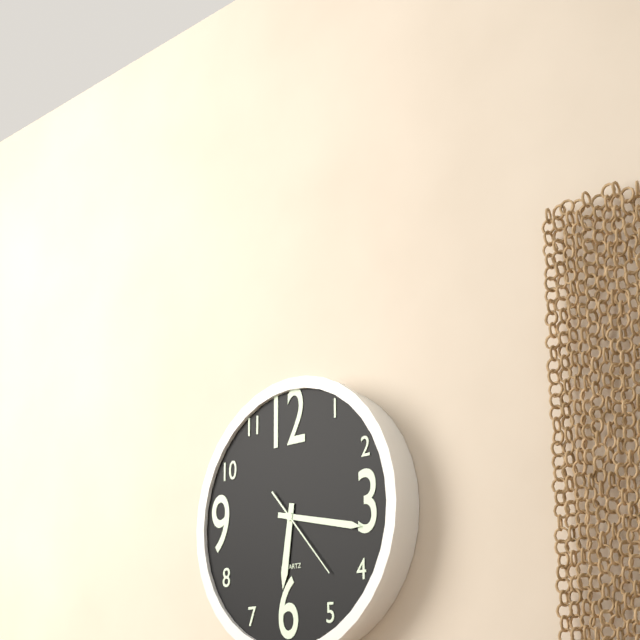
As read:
6.17.23
